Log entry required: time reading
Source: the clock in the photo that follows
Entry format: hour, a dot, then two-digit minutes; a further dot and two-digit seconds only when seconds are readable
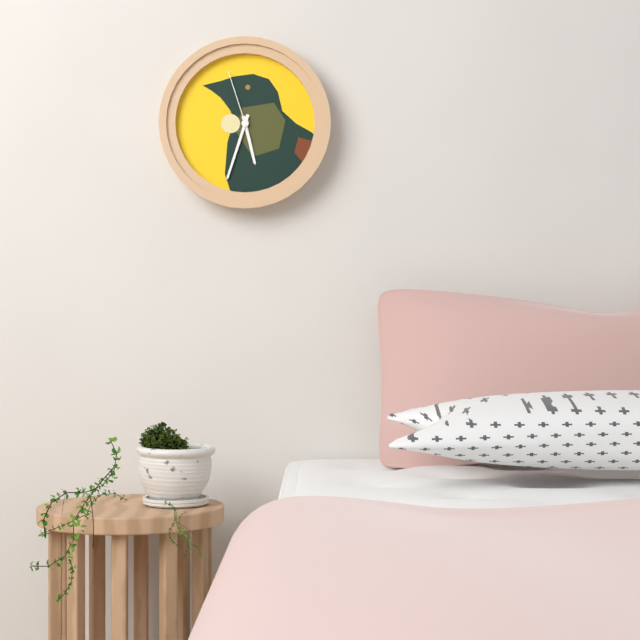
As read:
5.33.57
